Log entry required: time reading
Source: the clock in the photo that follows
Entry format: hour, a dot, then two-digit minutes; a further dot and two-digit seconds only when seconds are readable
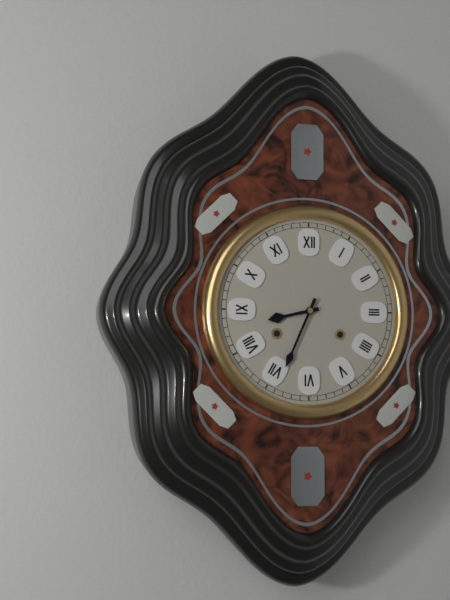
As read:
8.34
